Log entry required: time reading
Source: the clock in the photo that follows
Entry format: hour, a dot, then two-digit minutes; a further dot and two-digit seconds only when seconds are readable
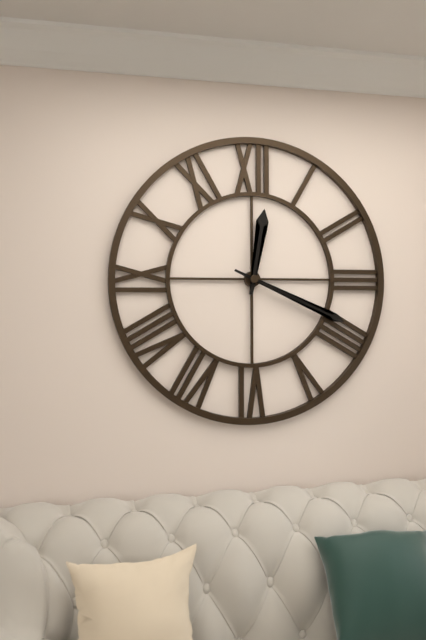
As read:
12.19
